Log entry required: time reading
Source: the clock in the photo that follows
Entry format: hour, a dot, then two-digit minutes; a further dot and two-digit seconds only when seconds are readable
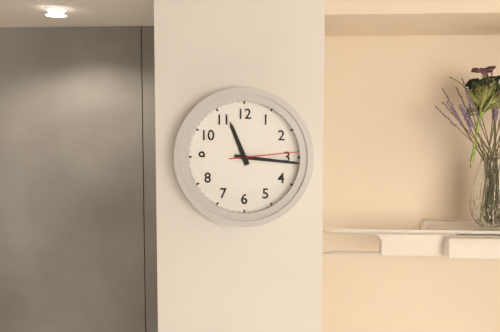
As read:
11.16.14
